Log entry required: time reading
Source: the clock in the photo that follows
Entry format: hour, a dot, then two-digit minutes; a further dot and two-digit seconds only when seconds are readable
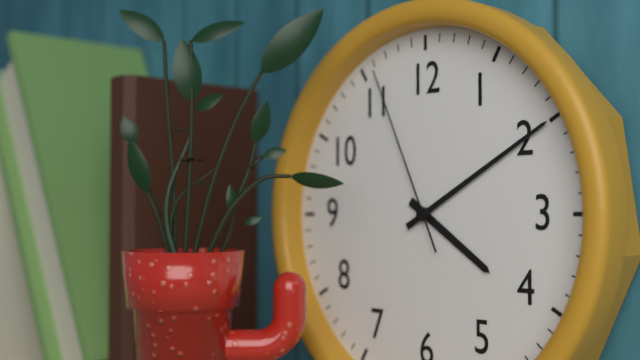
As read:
4.10.56
